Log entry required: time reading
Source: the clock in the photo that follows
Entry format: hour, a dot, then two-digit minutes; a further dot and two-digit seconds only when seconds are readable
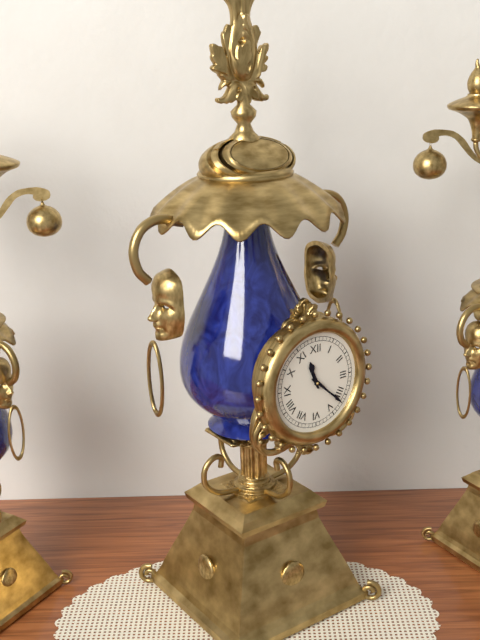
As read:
11.22
